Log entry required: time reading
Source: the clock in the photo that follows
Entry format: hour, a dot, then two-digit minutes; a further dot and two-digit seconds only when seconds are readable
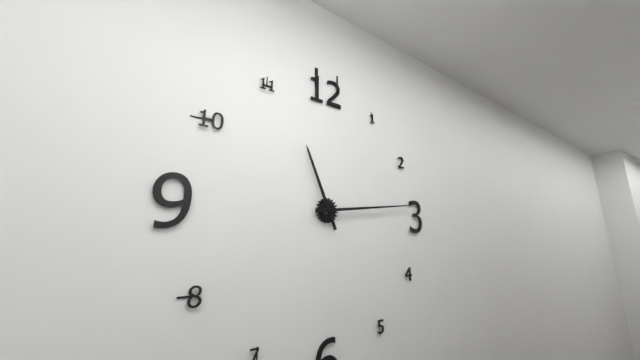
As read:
11.14
